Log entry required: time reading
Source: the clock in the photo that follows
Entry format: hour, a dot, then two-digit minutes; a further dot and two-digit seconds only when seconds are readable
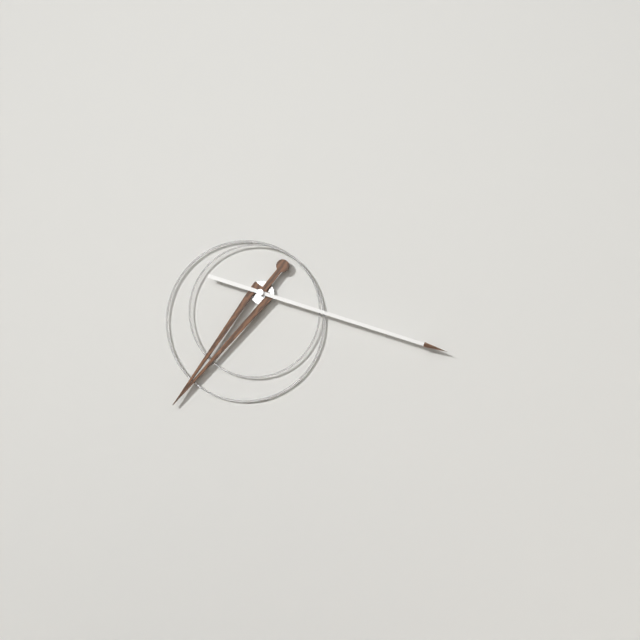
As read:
7.18
